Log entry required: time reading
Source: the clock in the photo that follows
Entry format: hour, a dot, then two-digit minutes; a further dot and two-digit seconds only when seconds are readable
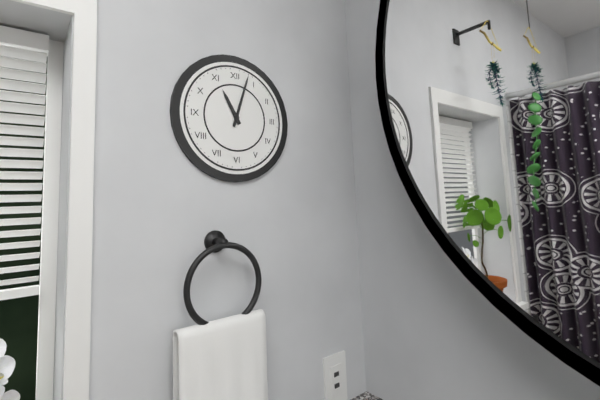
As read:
11.03
